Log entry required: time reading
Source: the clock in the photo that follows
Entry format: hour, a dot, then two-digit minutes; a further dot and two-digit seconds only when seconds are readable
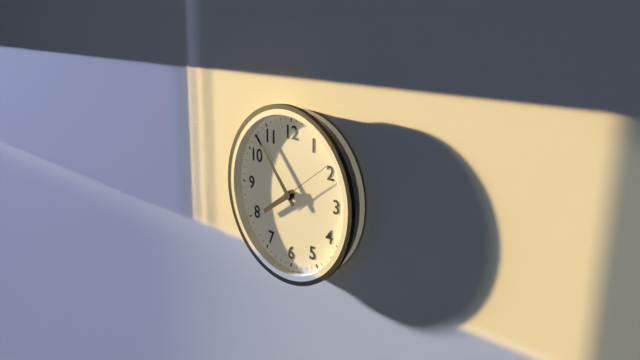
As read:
7.53.09
